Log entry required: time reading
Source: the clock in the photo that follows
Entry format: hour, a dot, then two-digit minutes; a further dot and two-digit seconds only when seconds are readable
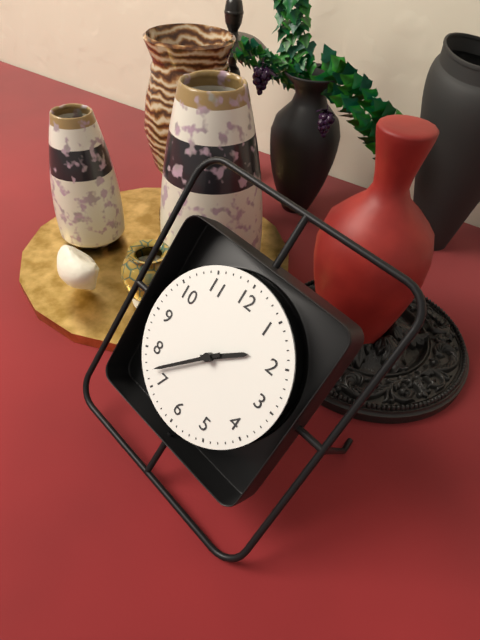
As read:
1.37
